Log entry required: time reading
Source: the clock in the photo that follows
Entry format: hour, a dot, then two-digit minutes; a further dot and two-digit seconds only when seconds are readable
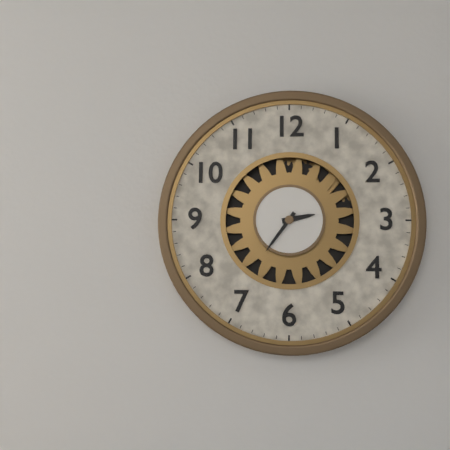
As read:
2.36
